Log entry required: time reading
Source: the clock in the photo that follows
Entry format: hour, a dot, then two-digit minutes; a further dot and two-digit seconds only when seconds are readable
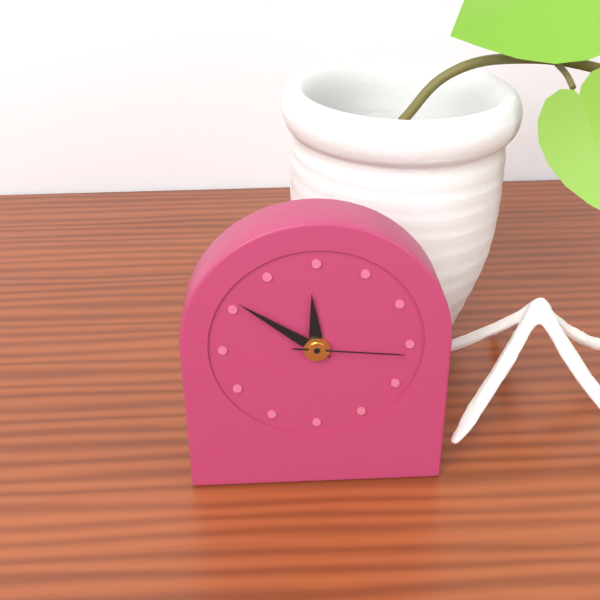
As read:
11.51.16
